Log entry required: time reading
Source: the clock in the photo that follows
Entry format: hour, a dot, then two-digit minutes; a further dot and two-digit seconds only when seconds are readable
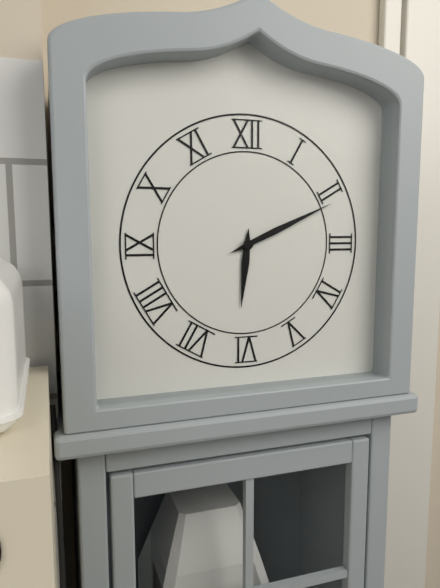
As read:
6.11
